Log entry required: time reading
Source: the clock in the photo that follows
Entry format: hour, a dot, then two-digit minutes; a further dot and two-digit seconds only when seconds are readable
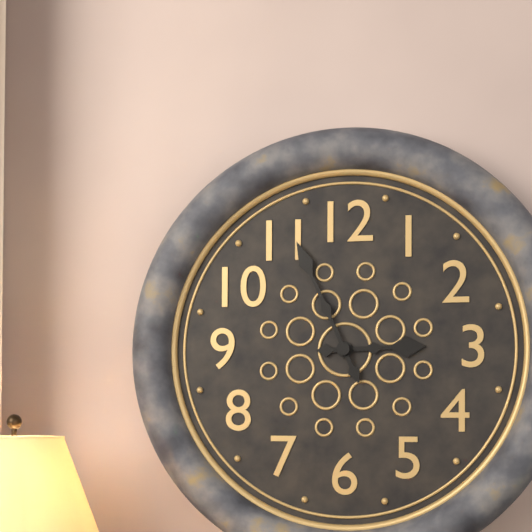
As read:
2.56
